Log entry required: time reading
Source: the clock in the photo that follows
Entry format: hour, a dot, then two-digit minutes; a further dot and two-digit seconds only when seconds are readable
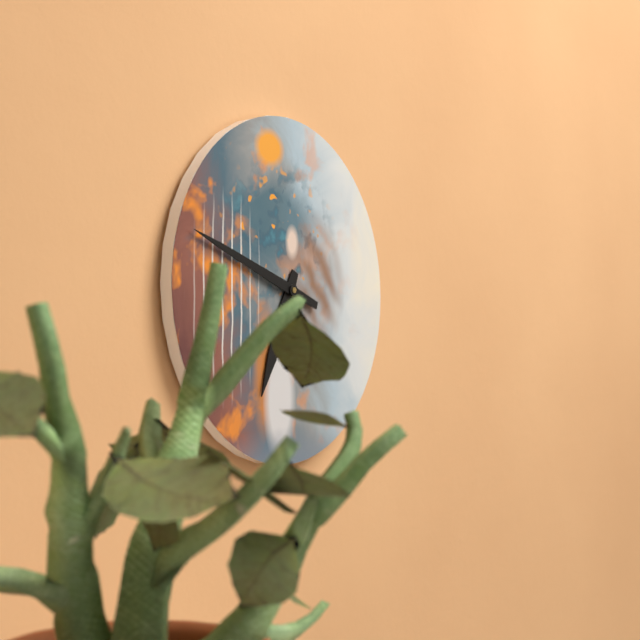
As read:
6.48
